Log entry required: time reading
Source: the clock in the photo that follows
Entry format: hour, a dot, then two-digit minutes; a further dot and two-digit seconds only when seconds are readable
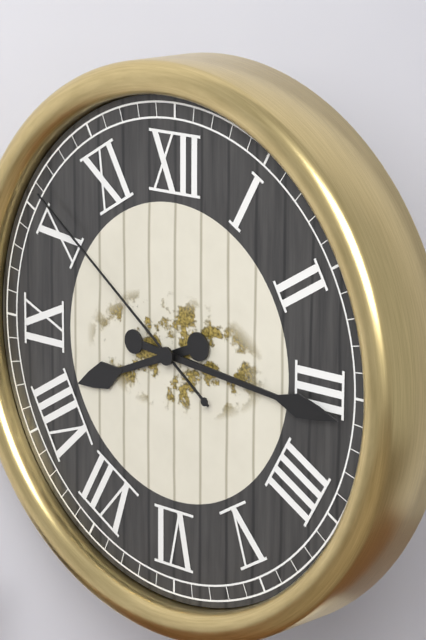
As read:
8.16.51
